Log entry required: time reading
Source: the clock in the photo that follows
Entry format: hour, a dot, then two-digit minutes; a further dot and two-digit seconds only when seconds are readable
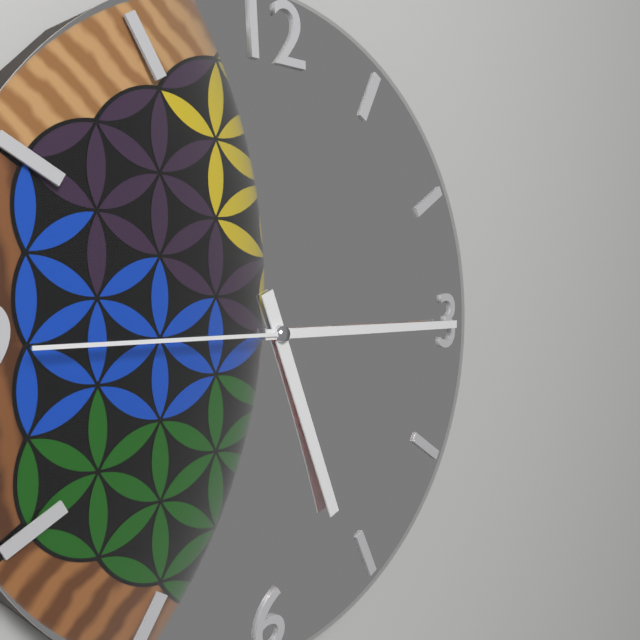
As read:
5.15.45
